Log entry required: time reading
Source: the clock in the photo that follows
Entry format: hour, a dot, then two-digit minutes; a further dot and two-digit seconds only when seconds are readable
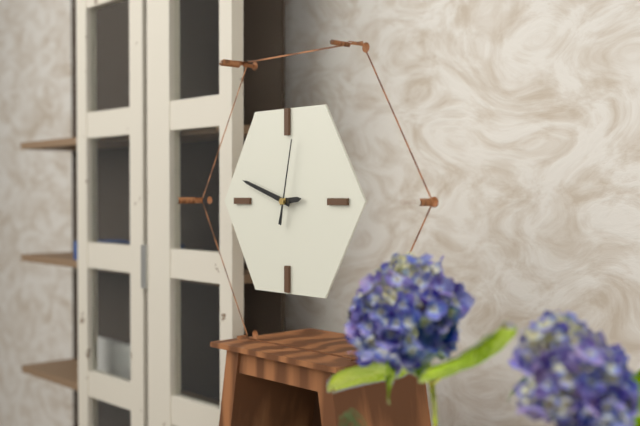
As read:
2.48.02
